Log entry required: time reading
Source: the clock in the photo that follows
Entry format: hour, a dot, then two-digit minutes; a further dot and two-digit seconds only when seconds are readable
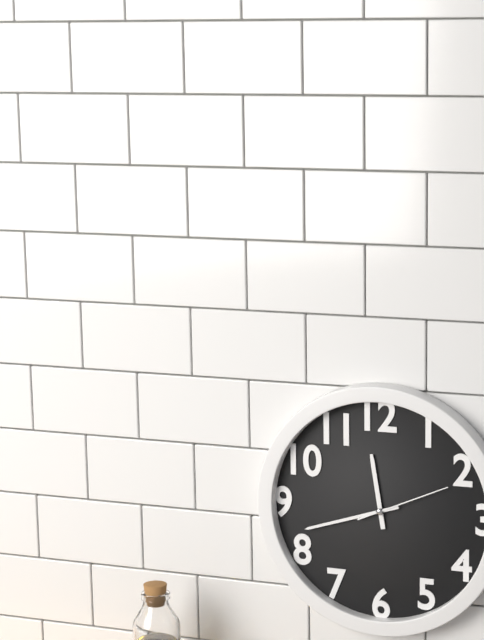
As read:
11.42.11
